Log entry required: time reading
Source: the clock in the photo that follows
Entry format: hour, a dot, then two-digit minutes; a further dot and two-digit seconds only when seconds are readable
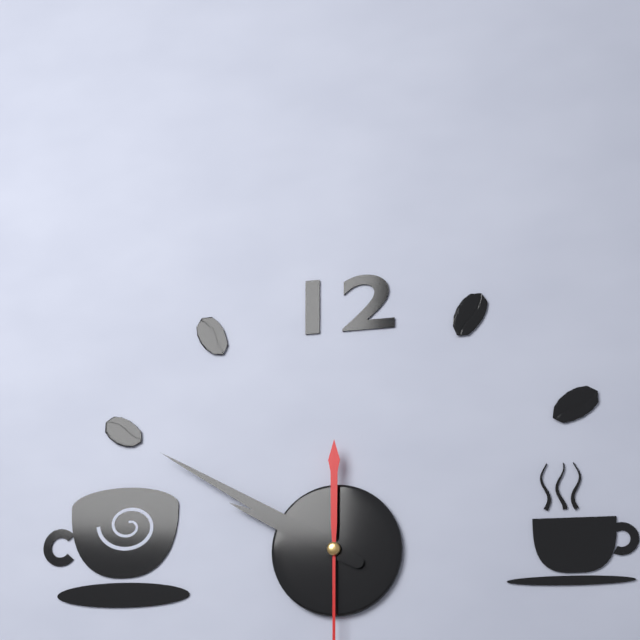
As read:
9.50
